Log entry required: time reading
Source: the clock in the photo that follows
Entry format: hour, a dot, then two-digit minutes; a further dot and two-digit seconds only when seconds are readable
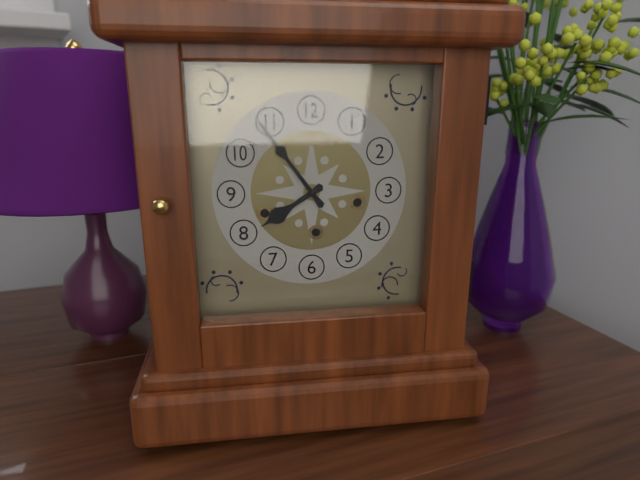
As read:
7.54
